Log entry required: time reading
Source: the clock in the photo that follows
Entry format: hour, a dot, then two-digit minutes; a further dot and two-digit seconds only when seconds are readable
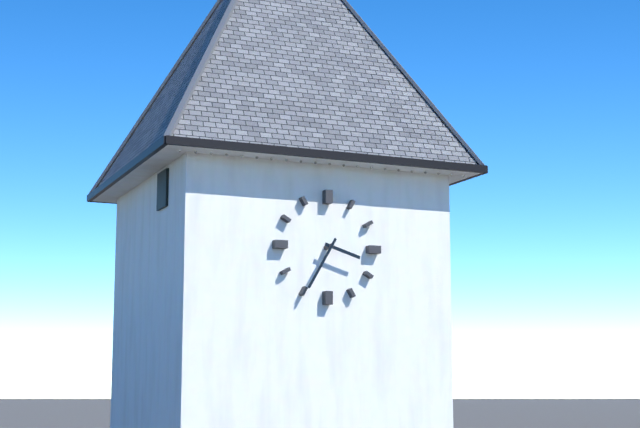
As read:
3.35
